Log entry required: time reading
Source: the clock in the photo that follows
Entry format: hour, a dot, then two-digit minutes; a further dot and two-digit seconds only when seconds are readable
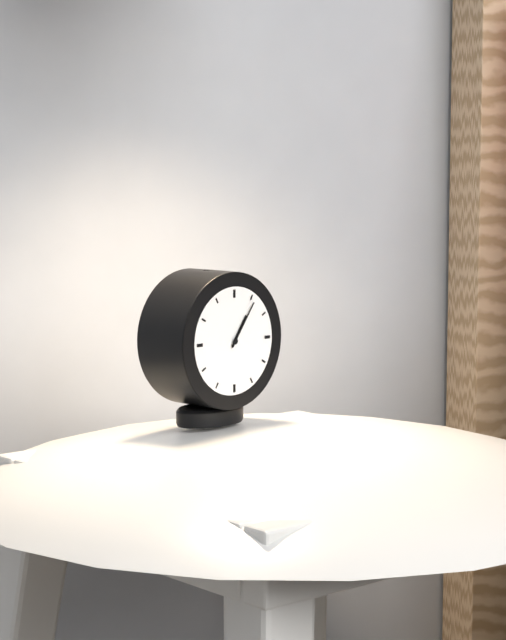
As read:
1.06
